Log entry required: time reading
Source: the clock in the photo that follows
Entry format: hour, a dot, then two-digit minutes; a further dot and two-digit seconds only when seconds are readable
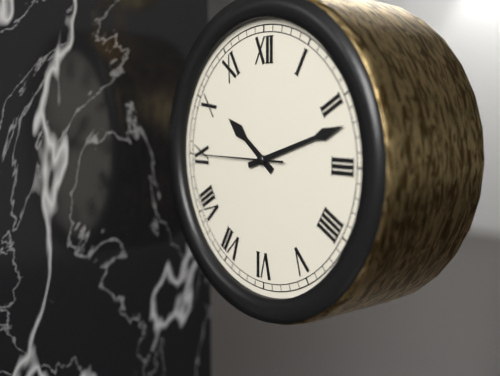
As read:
10.12.45
